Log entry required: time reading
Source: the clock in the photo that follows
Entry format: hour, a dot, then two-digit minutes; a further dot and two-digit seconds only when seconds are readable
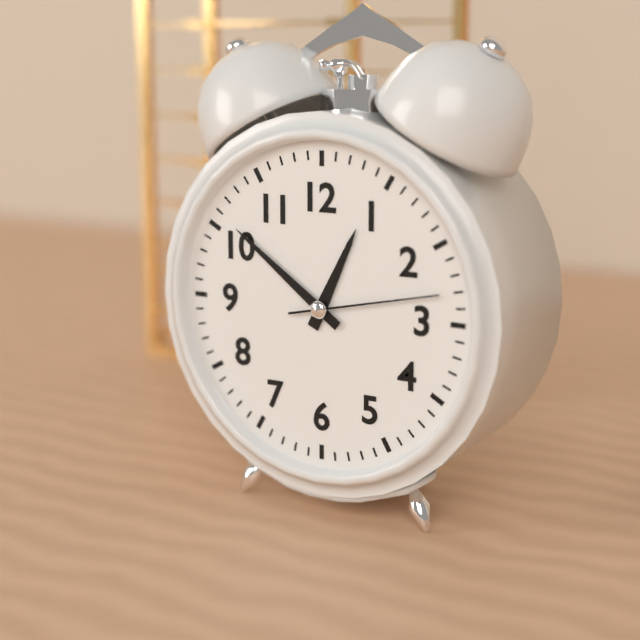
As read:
12.51.13
